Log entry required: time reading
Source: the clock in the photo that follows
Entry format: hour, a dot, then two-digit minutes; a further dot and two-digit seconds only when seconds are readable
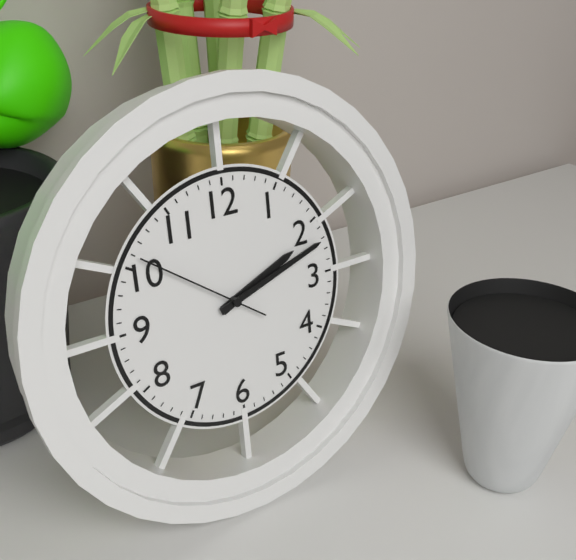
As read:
2.12.51
